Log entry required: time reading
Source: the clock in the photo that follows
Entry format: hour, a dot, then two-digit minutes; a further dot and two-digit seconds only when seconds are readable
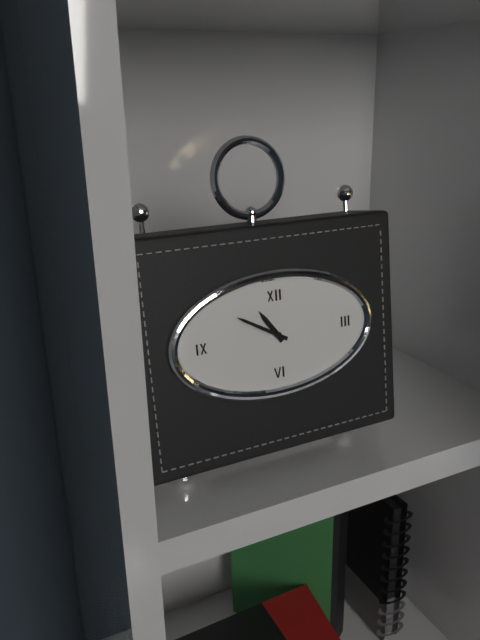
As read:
10.50
